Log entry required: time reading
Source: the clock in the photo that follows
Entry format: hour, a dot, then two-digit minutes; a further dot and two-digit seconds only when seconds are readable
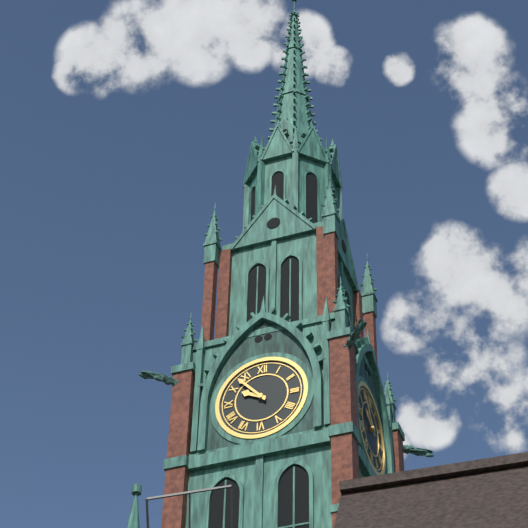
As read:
9.53
